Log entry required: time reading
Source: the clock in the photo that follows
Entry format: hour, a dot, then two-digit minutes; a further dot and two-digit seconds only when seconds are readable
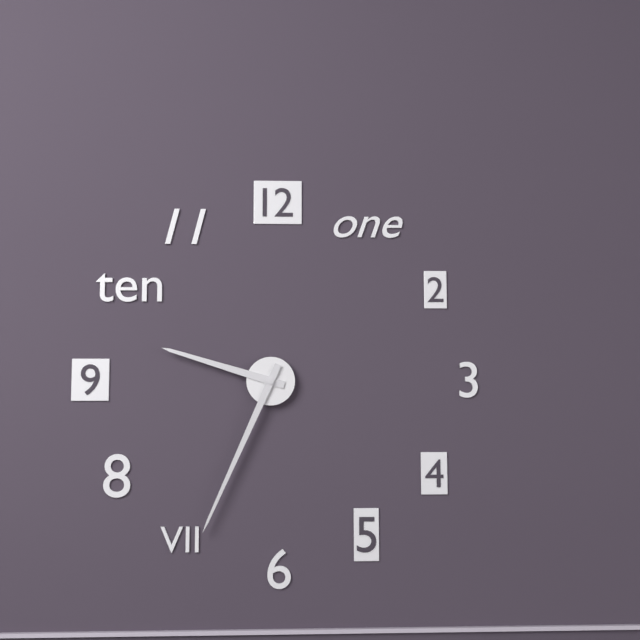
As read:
9.34
